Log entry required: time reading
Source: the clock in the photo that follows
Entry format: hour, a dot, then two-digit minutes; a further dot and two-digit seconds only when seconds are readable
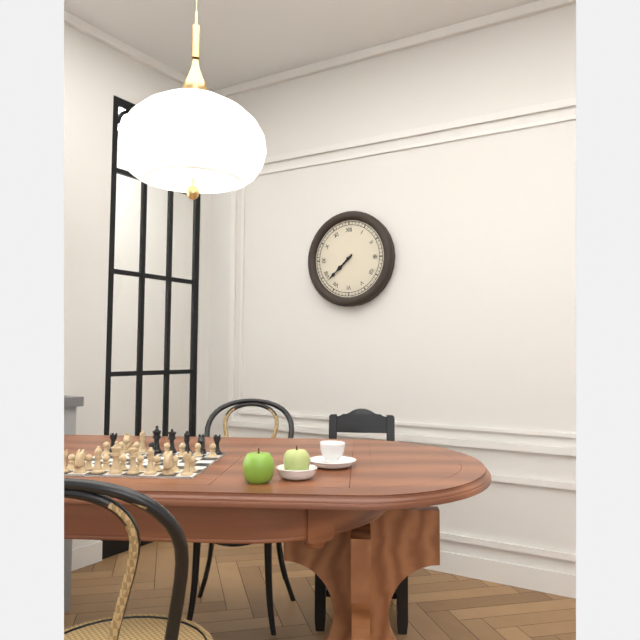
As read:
7.38
